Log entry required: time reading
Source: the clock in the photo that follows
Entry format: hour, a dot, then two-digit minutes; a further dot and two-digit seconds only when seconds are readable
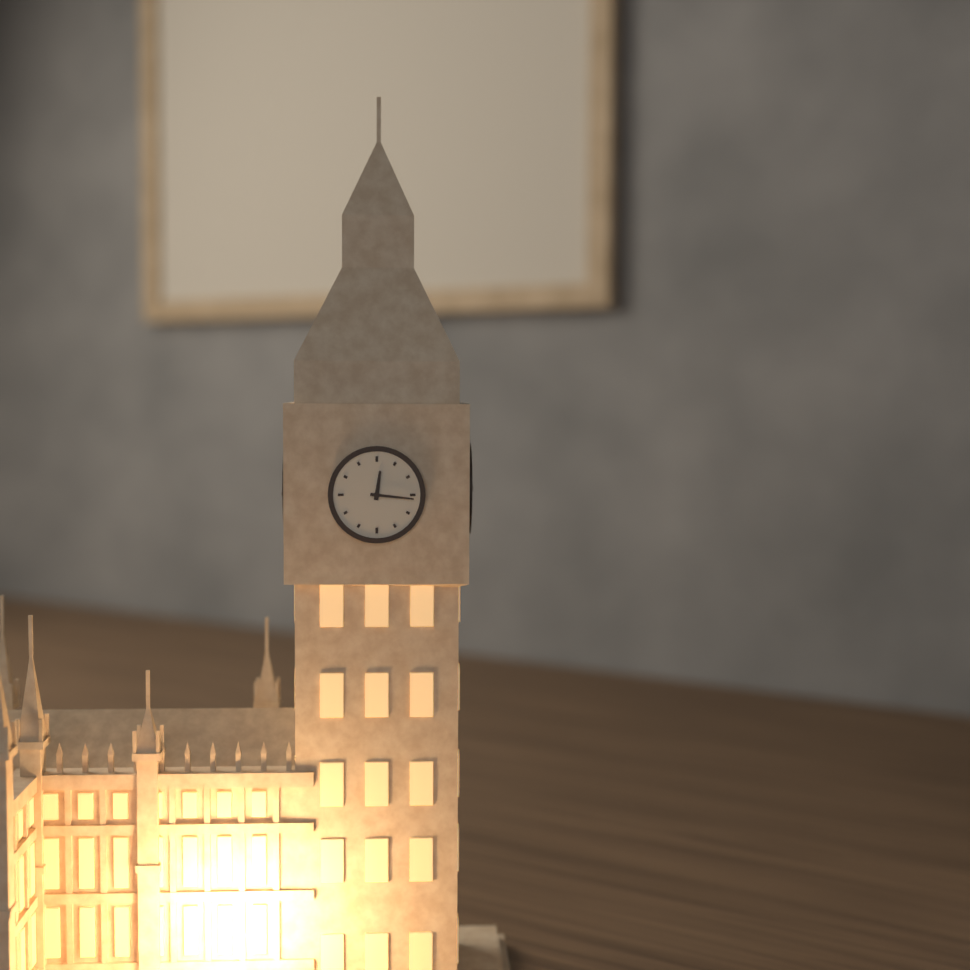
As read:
12.16
